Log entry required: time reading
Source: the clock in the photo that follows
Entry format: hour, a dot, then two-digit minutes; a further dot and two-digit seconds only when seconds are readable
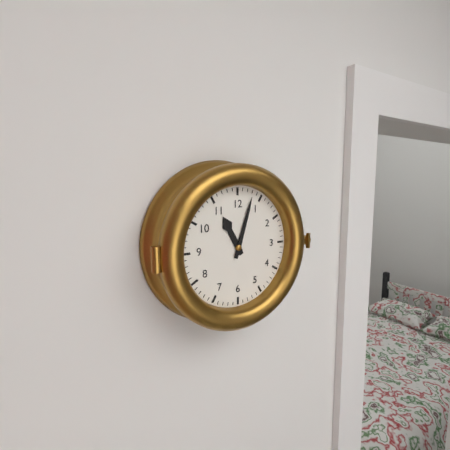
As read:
11.03
